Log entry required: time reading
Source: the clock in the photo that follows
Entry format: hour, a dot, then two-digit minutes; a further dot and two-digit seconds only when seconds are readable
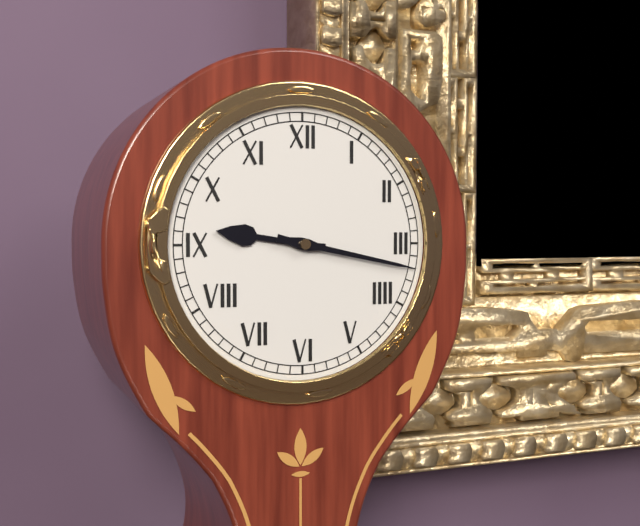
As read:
9.17
